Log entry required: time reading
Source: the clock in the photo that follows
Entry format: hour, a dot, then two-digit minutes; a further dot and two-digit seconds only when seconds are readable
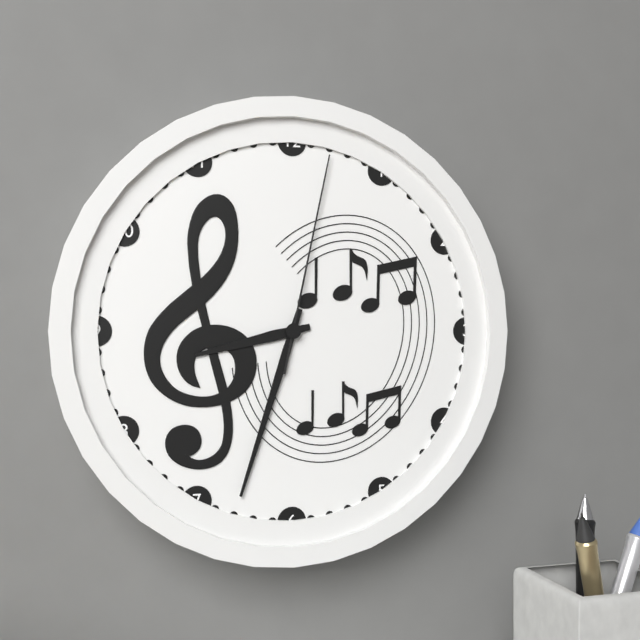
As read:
8.33.02
